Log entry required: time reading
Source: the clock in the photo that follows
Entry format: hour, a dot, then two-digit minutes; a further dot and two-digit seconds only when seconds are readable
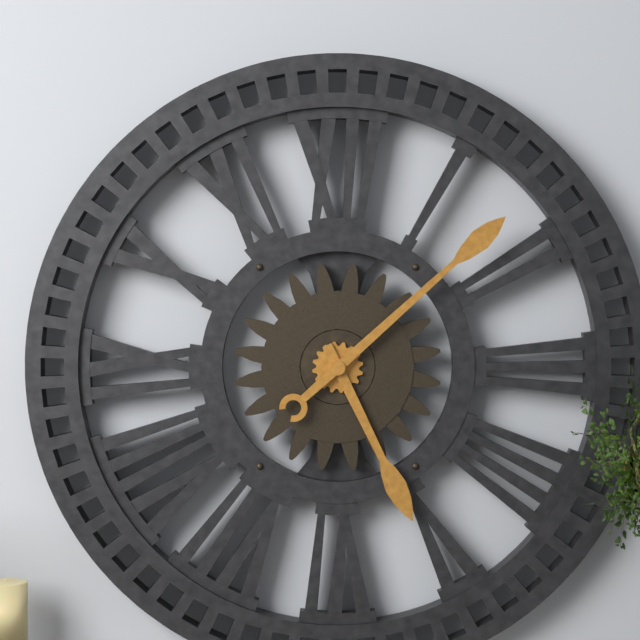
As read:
5.08
